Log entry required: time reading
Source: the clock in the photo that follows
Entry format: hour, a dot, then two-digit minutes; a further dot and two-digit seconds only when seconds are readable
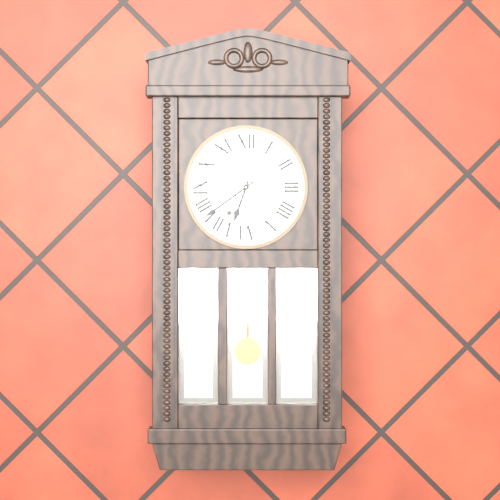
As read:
6.39
